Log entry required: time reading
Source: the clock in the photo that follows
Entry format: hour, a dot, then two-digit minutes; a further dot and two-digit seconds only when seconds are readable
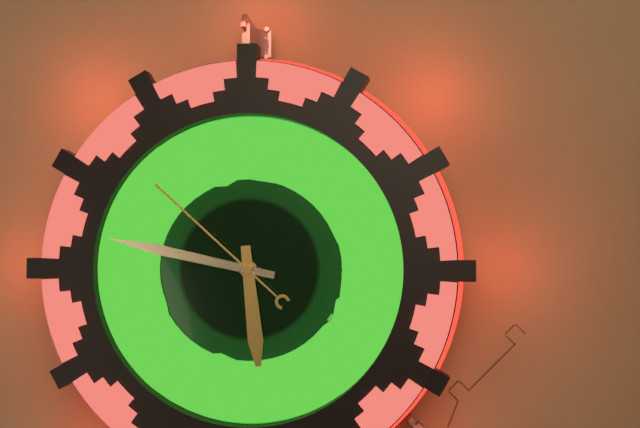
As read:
5.47.52
